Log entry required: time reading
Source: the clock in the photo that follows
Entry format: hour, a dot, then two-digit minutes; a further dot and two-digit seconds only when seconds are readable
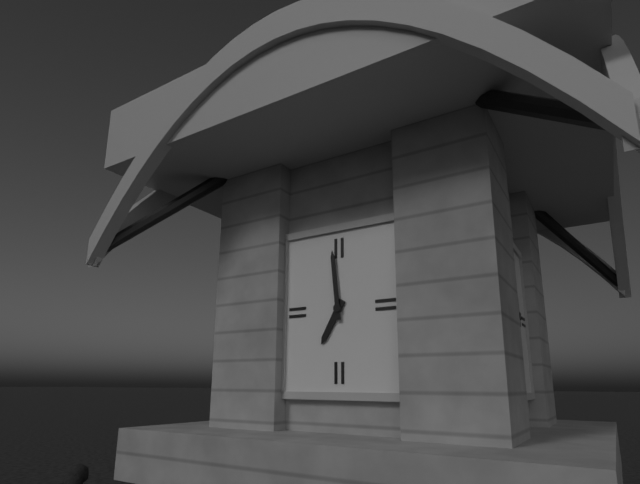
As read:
6.59
